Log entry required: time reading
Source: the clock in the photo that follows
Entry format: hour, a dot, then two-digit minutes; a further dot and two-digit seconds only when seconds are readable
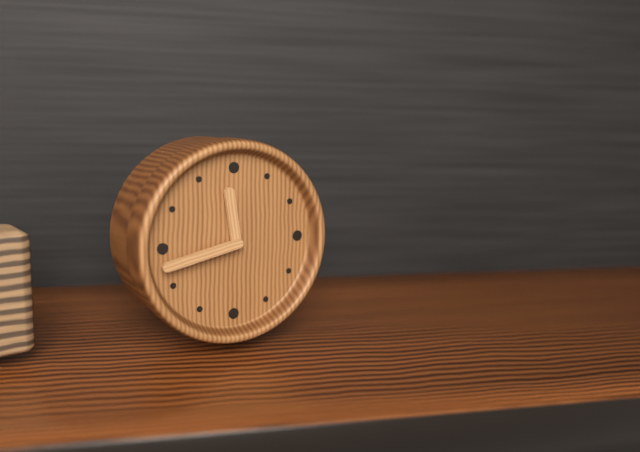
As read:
11.43
